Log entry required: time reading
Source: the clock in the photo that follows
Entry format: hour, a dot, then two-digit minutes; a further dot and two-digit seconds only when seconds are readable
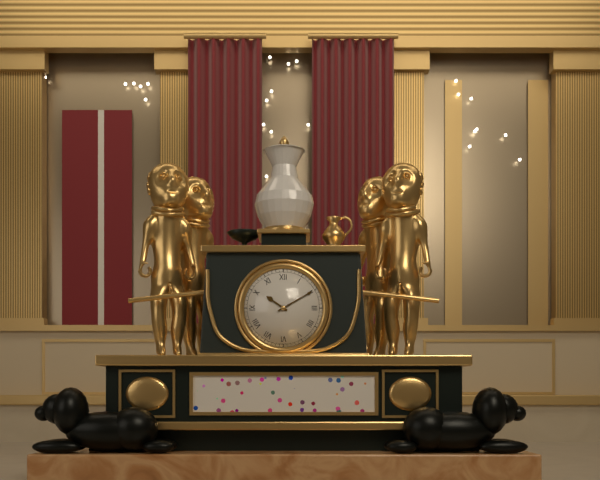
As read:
10.10
